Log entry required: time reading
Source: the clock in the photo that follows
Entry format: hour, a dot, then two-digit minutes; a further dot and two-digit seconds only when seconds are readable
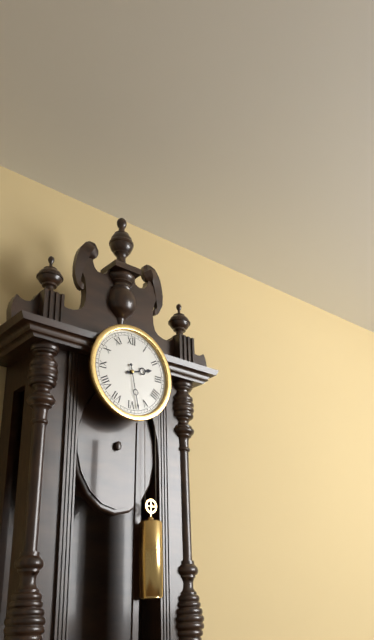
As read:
2.28
